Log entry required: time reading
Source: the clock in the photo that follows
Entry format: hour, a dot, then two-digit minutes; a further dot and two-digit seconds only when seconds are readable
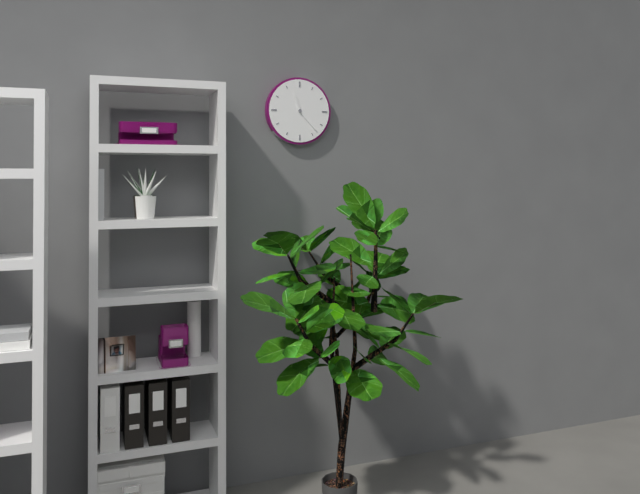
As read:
11.23
